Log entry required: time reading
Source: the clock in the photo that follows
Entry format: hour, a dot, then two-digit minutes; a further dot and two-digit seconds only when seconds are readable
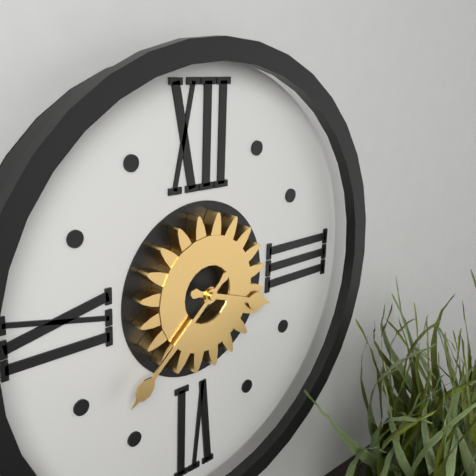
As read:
3.38
